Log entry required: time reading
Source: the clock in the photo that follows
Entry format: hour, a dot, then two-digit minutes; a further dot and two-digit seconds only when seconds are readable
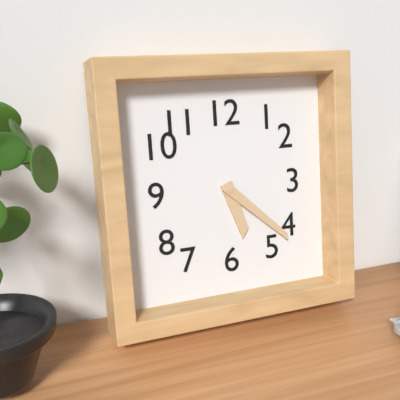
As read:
5.22
